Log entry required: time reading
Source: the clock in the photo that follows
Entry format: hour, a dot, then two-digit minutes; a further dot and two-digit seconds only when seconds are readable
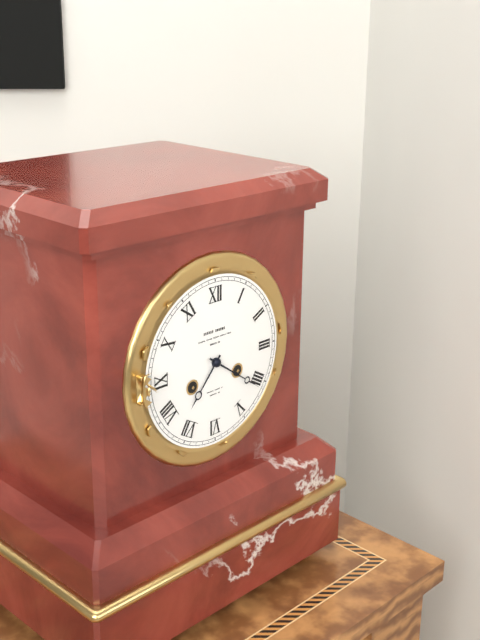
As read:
7.21
